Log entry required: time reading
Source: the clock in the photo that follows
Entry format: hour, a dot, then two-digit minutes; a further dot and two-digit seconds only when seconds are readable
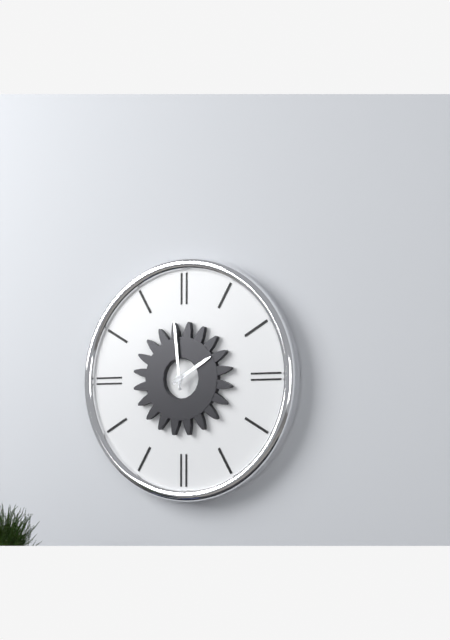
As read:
1.59
